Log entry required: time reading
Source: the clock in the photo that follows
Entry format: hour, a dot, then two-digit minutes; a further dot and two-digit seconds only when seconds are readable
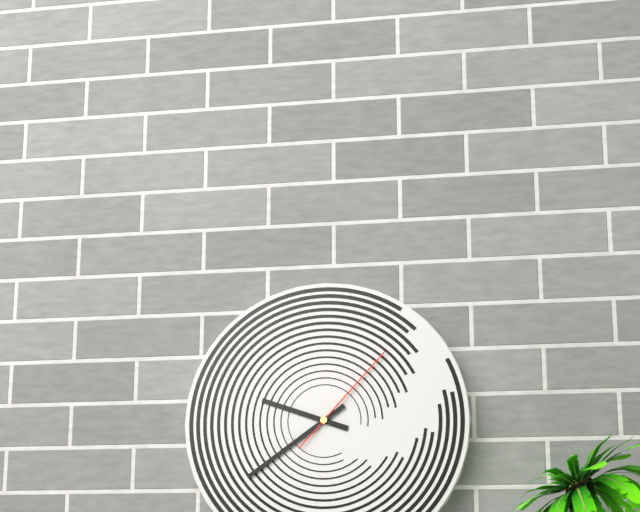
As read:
9.39.07
